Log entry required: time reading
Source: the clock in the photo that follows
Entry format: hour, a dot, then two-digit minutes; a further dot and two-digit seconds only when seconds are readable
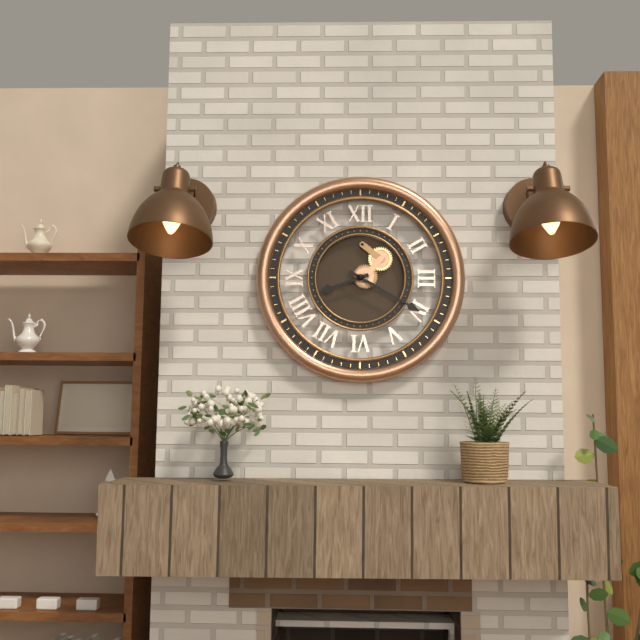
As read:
8.20
